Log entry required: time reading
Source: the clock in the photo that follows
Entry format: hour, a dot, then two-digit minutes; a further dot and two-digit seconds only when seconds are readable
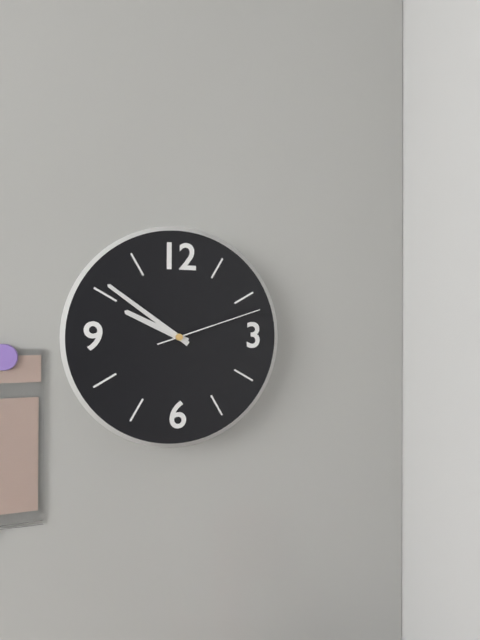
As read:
9.51.12
